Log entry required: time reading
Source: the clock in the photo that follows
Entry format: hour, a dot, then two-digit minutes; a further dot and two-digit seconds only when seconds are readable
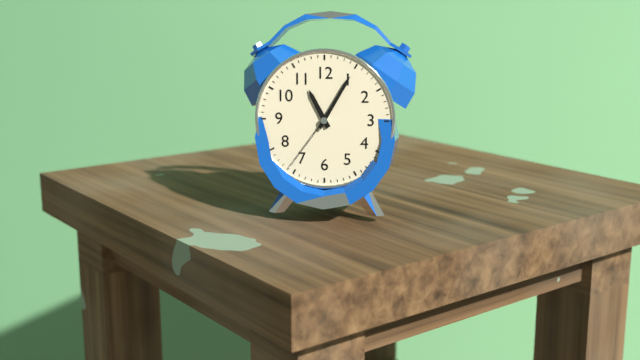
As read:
11.05.36
